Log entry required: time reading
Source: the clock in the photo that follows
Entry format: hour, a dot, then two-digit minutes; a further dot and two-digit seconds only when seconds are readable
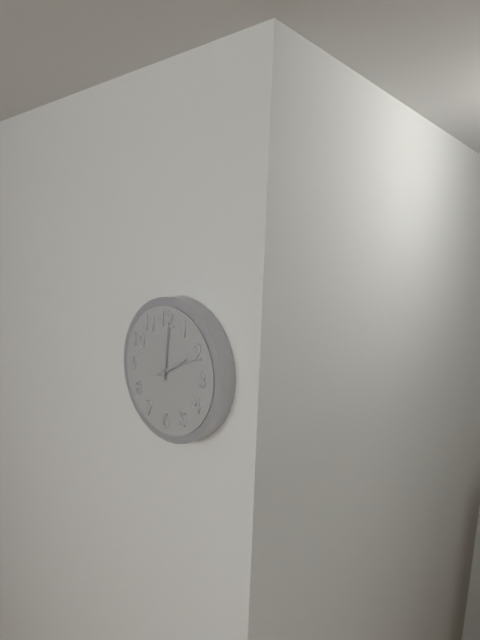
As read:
2.01
